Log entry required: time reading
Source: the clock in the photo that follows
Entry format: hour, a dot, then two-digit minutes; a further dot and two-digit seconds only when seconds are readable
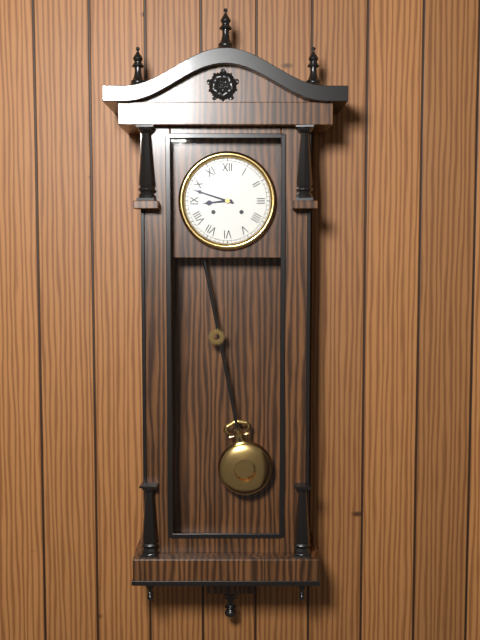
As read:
8.48
